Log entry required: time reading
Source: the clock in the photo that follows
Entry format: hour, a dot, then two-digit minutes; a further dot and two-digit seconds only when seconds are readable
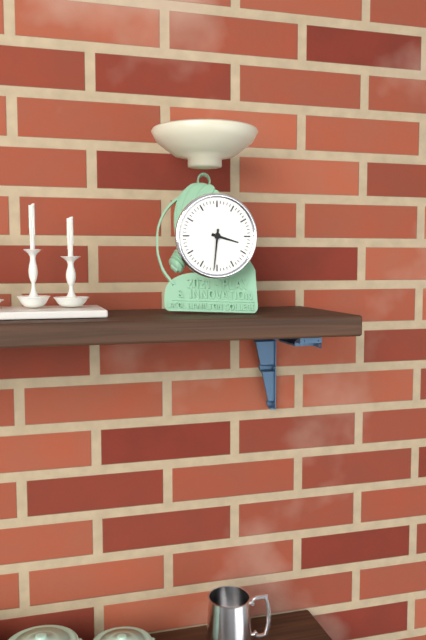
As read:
3.31
